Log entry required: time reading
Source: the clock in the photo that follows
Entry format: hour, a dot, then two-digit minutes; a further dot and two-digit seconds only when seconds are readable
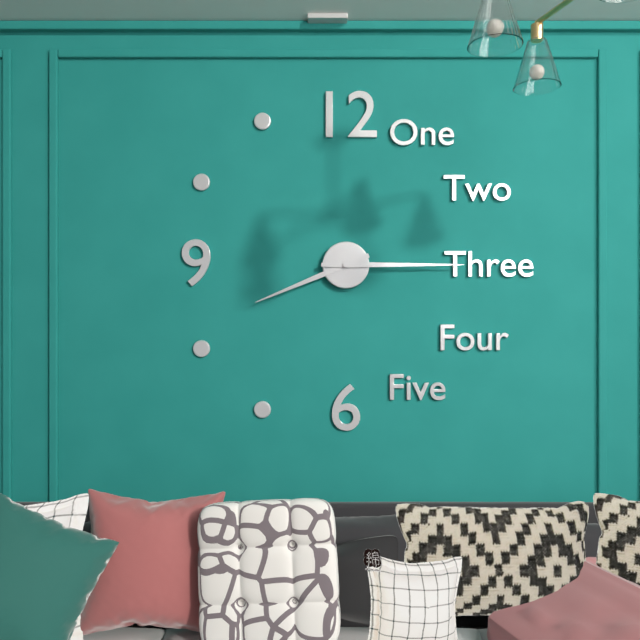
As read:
8.15
